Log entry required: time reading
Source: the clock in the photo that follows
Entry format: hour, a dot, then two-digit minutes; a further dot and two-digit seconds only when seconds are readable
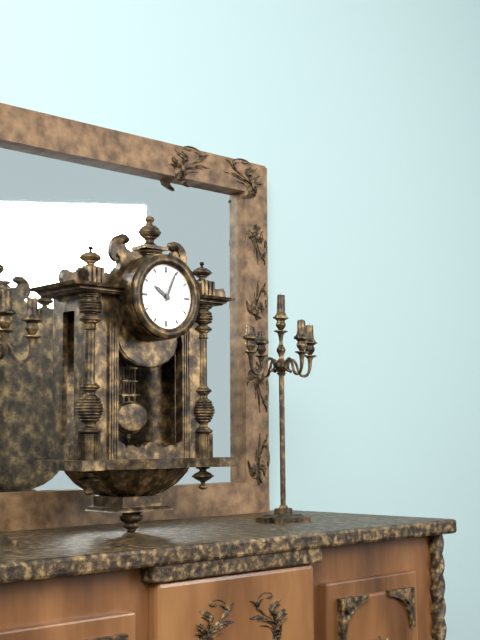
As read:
10.04
